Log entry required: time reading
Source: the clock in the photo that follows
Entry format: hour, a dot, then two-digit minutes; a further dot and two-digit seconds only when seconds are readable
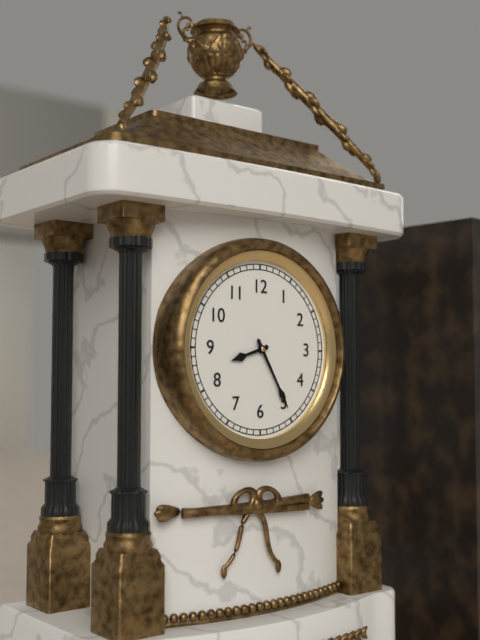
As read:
8.25
